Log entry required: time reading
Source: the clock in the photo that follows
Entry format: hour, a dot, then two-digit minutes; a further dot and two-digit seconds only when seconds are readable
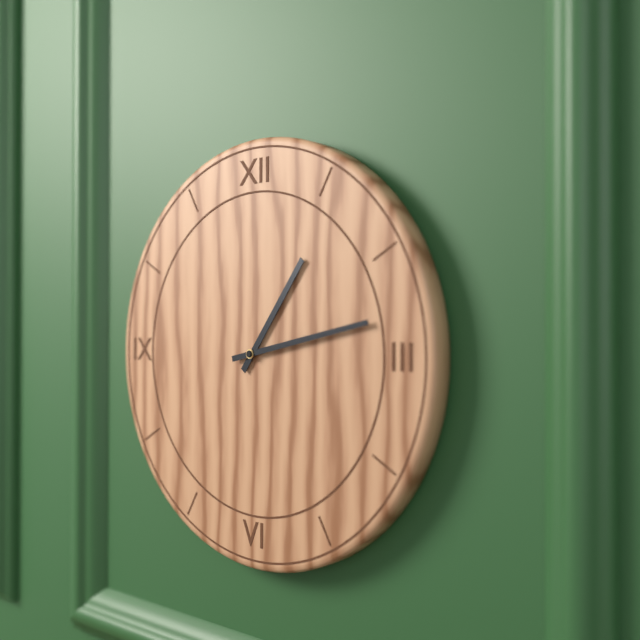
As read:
1.13
